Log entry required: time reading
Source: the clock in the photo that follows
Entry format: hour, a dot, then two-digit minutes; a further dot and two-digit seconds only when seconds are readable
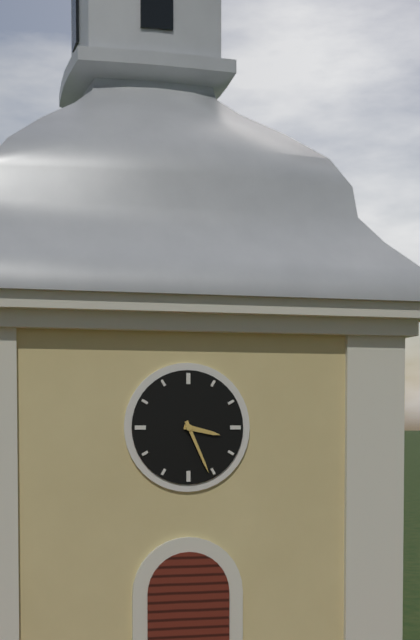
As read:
3.26
